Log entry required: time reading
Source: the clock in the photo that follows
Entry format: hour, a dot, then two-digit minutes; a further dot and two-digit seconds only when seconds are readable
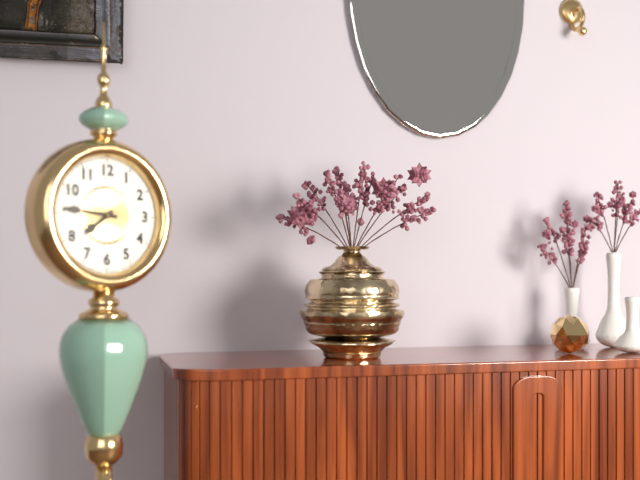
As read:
7.46
